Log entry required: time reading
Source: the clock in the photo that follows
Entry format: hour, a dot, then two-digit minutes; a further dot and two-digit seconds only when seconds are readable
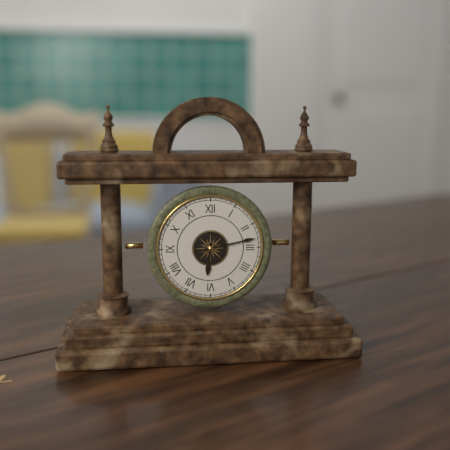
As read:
6.13
